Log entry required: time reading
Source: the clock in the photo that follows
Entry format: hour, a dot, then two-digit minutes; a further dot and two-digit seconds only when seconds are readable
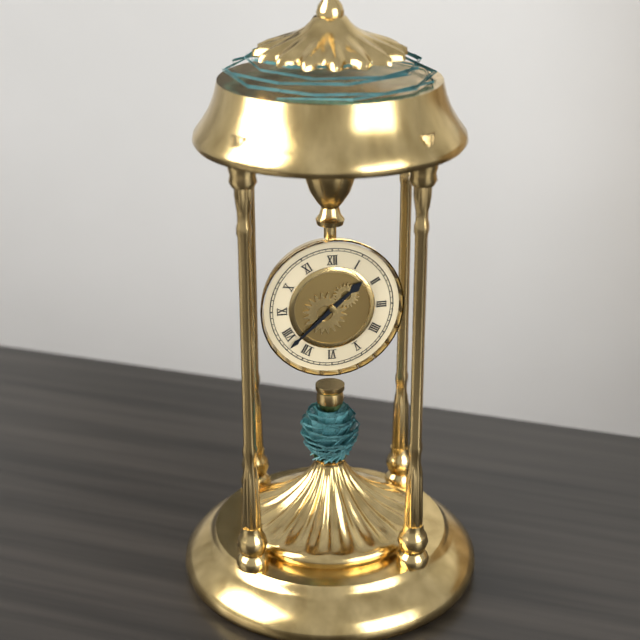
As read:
1.38
